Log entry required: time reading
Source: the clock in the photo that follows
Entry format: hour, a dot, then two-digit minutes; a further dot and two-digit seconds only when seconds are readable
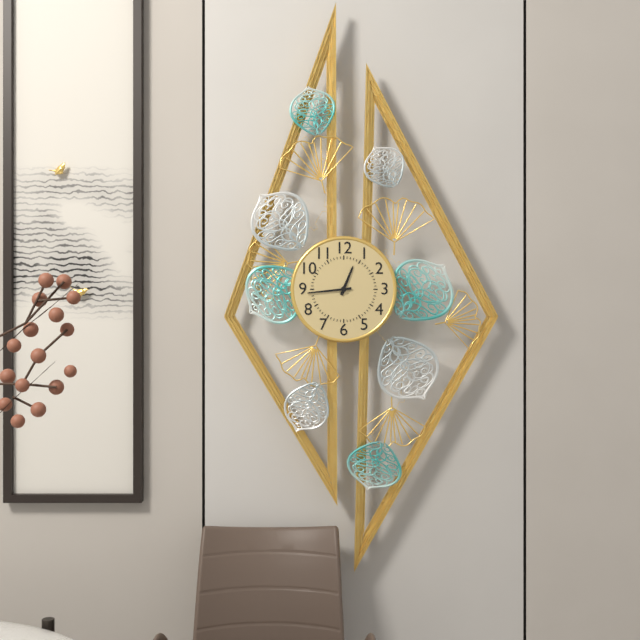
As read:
12.44
